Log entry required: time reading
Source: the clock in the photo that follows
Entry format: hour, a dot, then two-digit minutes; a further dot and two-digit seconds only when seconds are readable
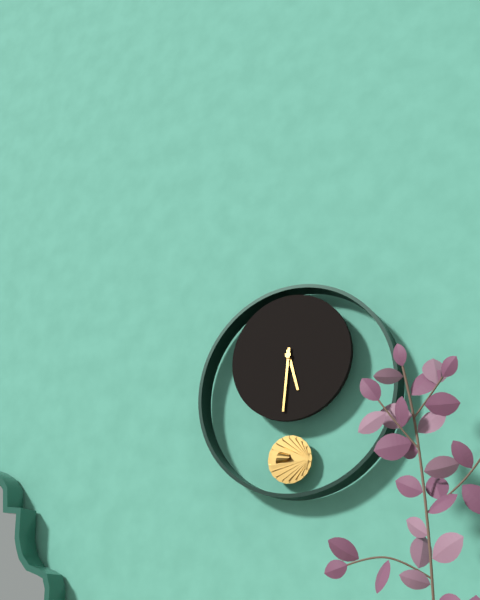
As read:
5.31
